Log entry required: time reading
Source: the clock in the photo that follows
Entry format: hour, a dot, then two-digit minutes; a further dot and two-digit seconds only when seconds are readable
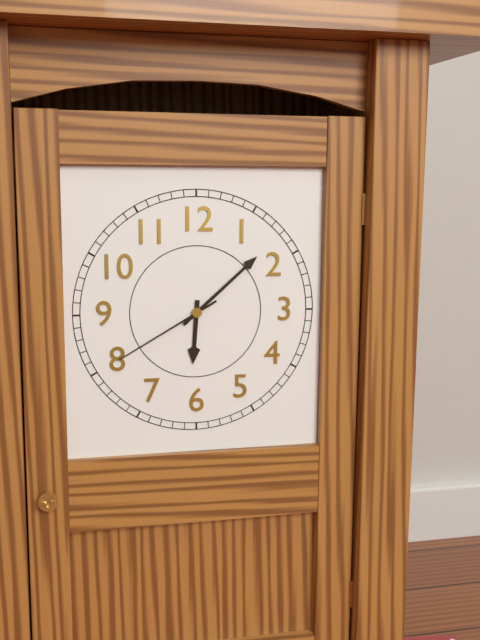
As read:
6.08.40
